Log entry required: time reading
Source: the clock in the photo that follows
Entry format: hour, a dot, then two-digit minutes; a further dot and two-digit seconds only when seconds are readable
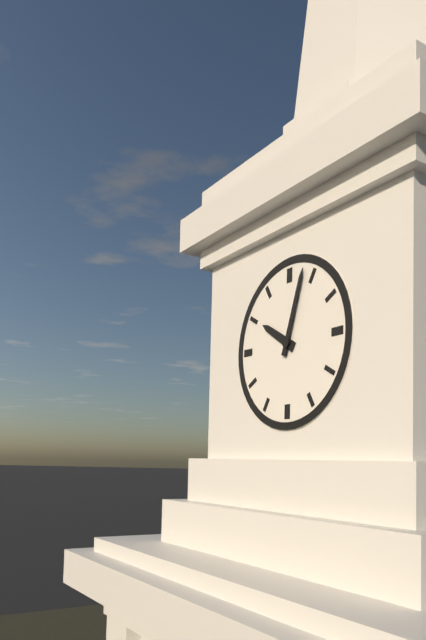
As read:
10.03
